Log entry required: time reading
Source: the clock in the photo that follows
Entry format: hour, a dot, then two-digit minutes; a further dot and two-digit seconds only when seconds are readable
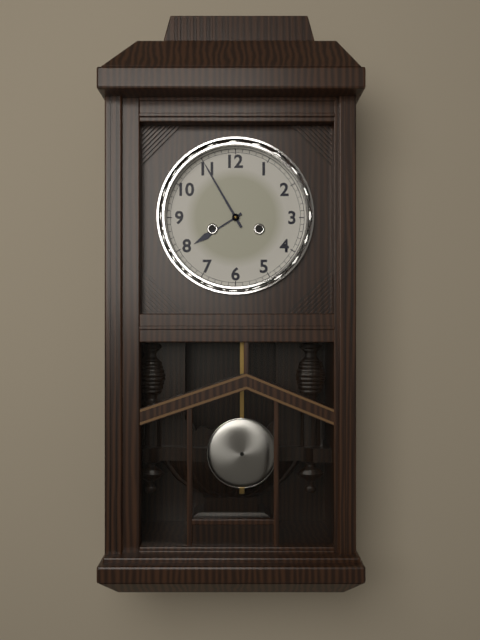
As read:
7.55
